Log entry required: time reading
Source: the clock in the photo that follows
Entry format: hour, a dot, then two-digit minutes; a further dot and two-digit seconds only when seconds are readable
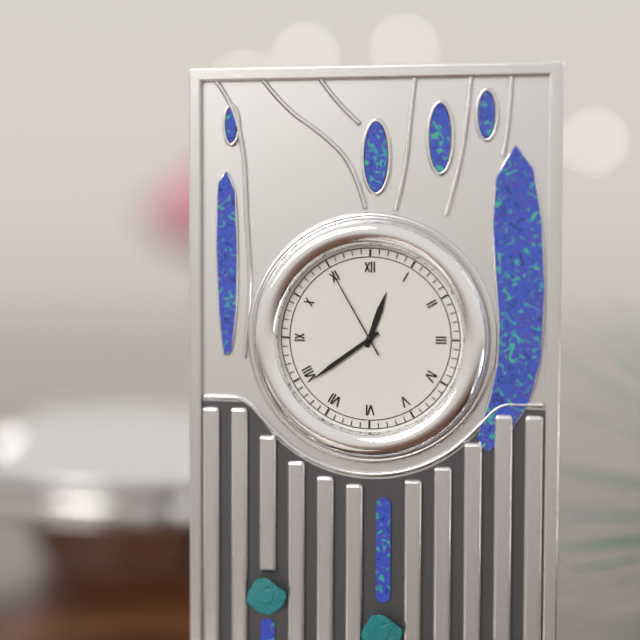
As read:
12.39.55
